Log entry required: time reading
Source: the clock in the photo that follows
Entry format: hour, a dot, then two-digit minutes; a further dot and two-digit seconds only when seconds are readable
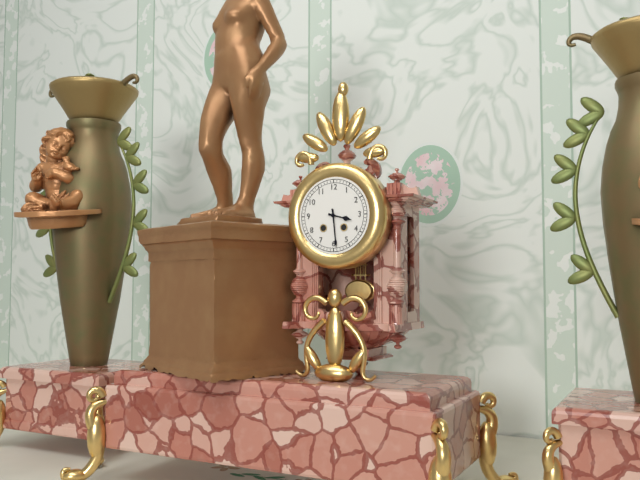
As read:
3.29
